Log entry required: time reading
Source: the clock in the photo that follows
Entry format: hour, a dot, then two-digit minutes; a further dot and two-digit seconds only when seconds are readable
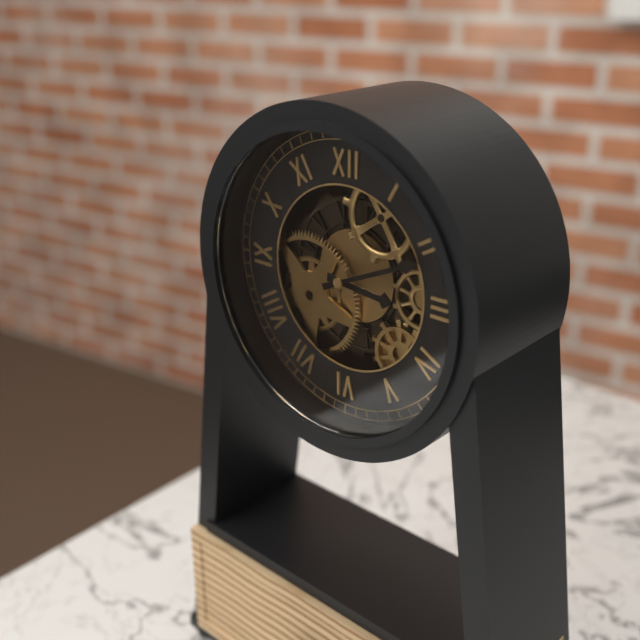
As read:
3.11
